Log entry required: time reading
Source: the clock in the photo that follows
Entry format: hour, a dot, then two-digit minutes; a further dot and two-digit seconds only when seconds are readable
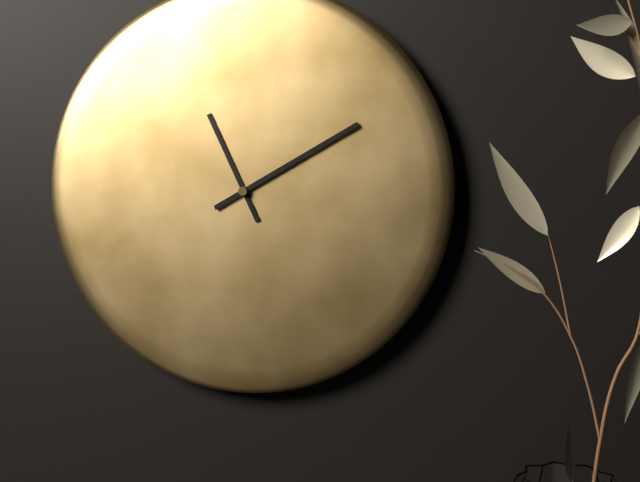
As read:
11.10
